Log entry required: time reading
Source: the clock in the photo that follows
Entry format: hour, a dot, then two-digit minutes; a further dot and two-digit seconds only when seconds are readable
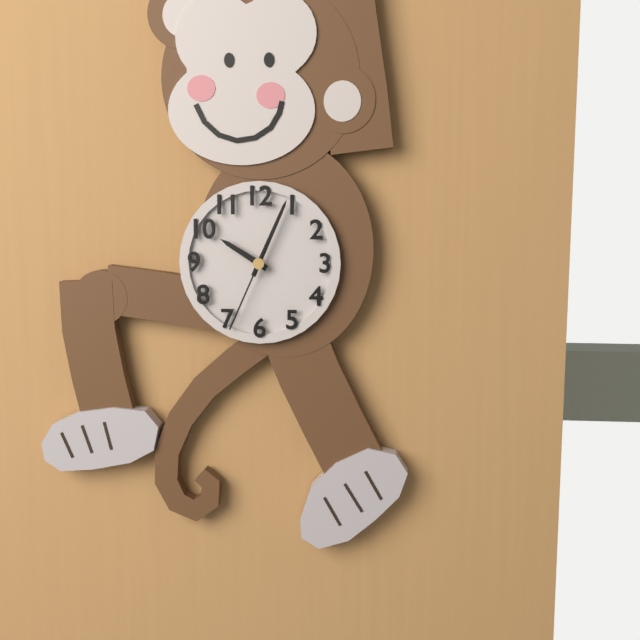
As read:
10.04.34
